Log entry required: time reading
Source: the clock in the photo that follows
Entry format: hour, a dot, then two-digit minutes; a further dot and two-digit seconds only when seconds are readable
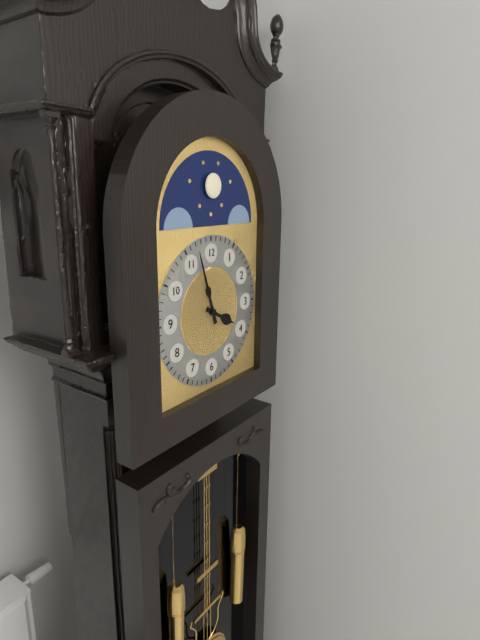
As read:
3.57
